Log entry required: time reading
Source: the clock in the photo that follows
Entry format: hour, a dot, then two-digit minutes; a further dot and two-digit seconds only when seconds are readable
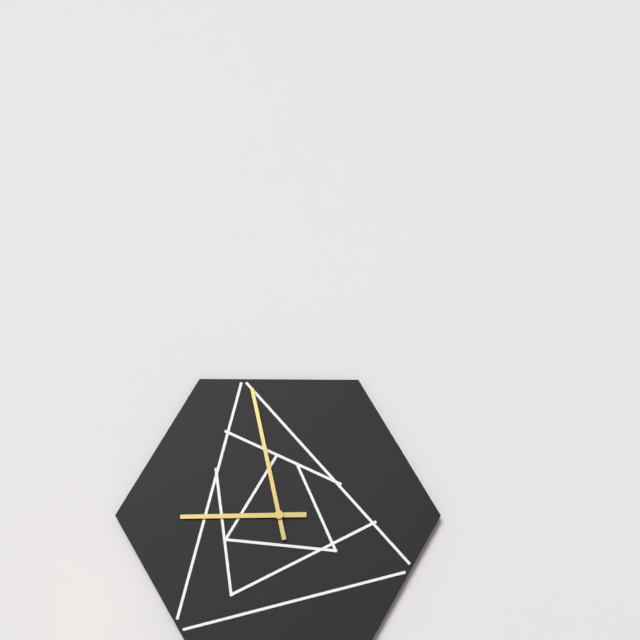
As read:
8.58
